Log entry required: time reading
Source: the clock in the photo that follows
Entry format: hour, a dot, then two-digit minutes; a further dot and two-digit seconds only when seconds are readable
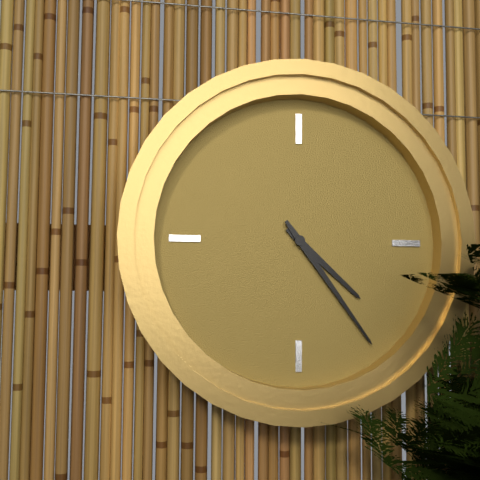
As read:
4.24
